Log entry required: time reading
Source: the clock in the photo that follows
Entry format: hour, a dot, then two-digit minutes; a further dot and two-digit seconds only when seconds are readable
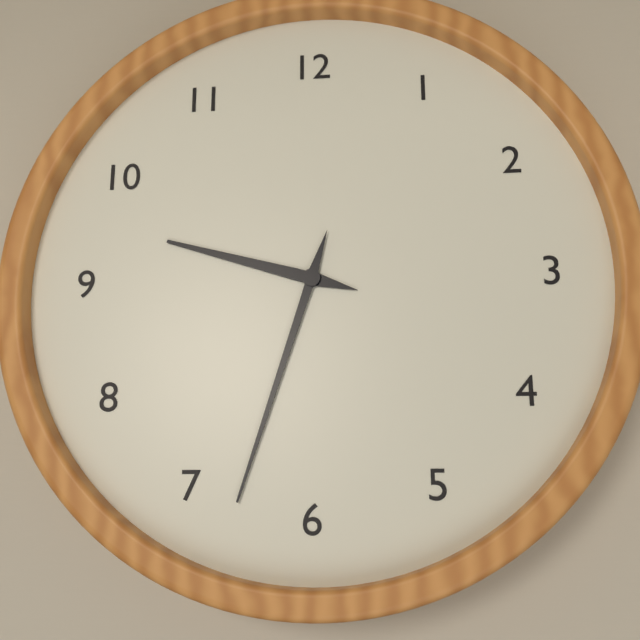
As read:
9.33
